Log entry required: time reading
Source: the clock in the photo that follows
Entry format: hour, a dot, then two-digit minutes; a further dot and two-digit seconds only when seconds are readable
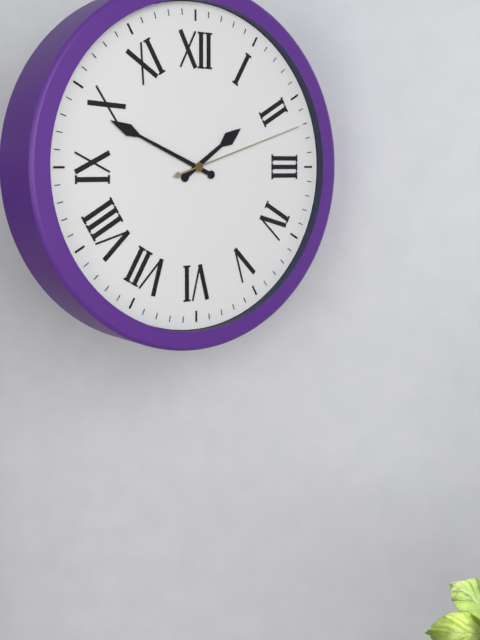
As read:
1.49.12
